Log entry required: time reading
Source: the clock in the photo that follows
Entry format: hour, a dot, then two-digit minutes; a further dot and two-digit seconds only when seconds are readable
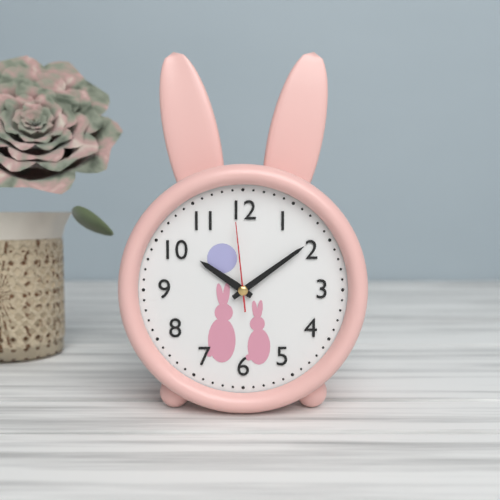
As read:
10.09.59
